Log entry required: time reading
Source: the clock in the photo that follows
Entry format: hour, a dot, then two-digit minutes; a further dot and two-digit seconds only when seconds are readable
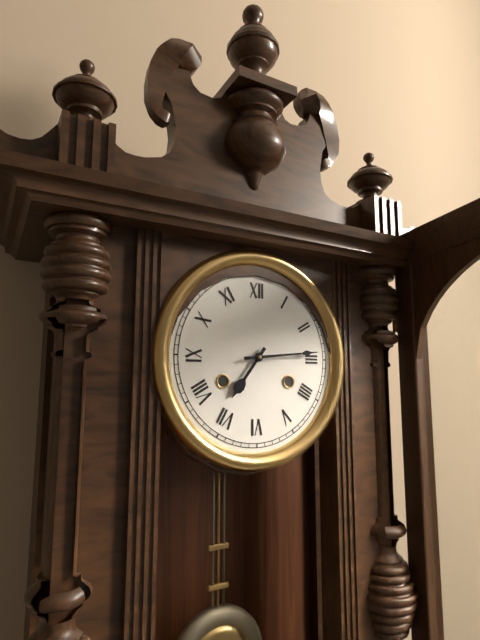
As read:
7.14
